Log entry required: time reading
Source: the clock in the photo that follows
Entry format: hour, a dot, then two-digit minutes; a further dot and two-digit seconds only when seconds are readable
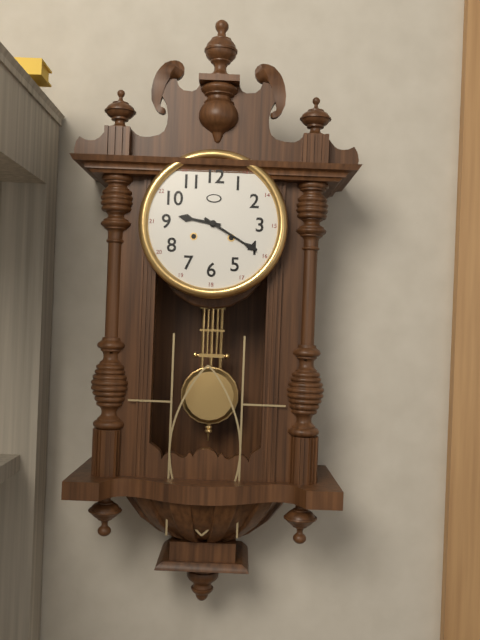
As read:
9.20
